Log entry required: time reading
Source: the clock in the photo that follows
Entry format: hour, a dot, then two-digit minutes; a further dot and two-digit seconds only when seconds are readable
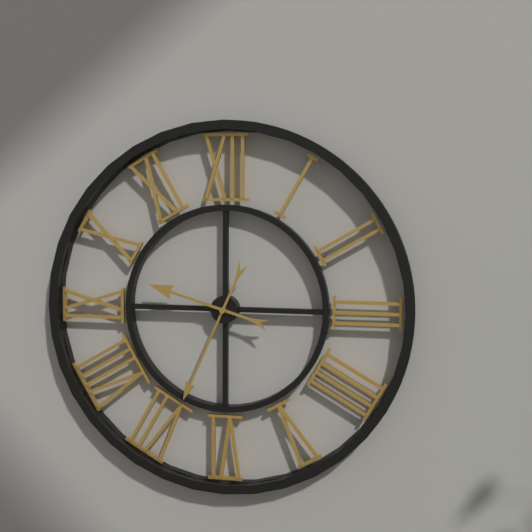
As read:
9.34
